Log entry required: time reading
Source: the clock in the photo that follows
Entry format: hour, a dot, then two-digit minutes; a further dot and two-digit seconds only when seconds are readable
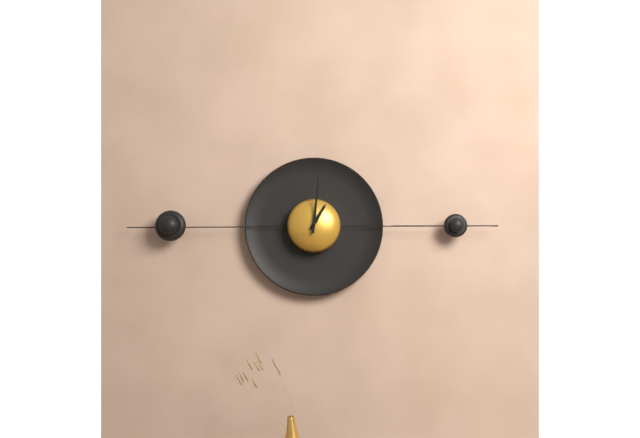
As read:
1.01
